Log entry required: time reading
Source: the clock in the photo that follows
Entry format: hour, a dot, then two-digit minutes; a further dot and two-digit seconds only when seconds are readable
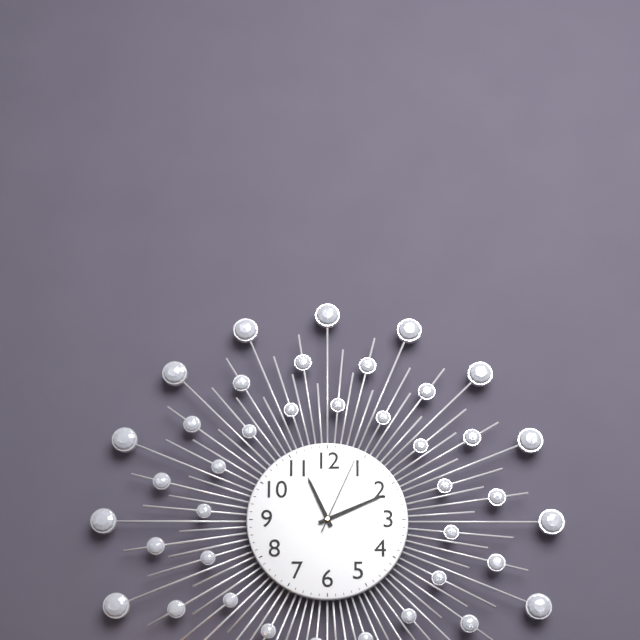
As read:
11.11.04
